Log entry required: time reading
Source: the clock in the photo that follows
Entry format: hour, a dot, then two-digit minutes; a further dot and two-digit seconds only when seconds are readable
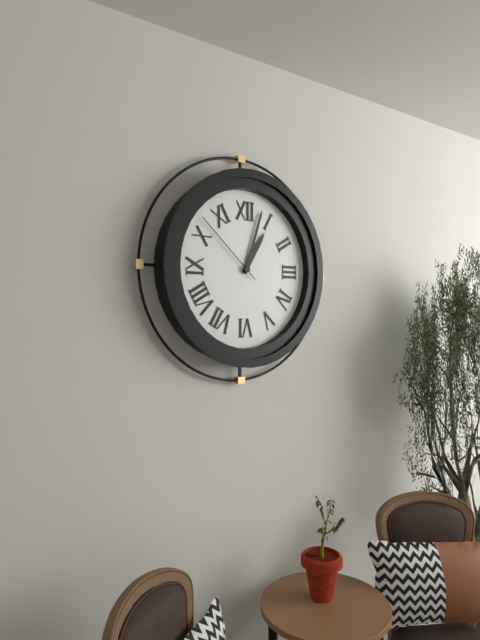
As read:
1.03.52
